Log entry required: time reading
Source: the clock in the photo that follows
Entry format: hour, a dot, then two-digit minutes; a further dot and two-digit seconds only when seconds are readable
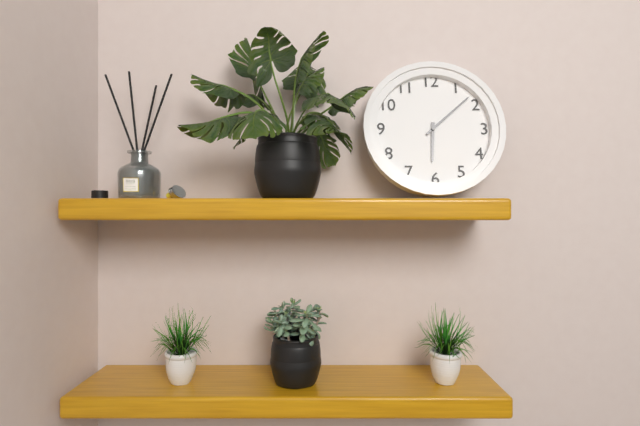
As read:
6.08
